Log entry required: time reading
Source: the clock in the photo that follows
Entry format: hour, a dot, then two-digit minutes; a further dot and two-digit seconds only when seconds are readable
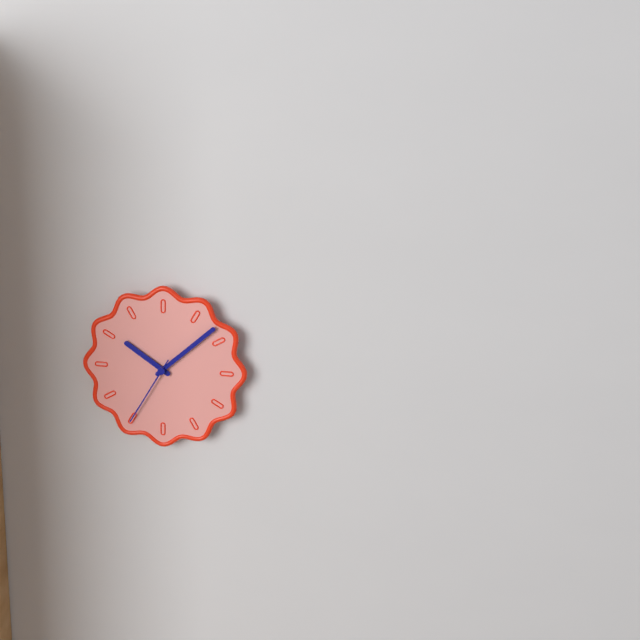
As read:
10.08.35
